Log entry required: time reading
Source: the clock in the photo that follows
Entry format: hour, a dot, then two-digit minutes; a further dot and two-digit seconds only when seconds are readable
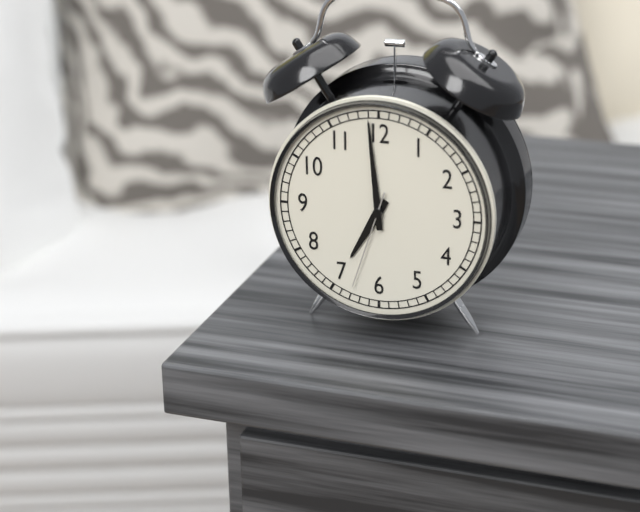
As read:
6.59.33
